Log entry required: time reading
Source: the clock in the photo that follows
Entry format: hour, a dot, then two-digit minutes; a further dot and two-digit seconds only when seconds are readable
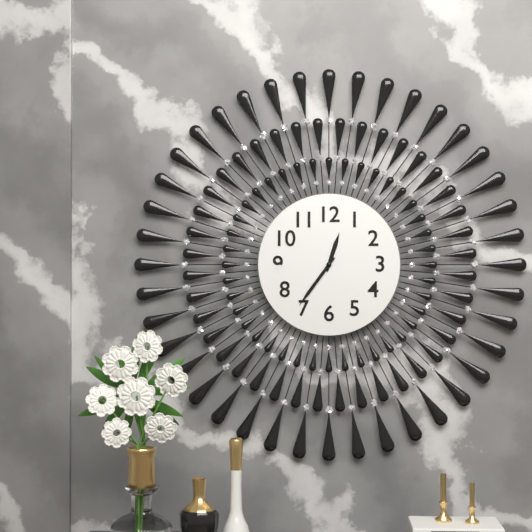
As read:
12.36
